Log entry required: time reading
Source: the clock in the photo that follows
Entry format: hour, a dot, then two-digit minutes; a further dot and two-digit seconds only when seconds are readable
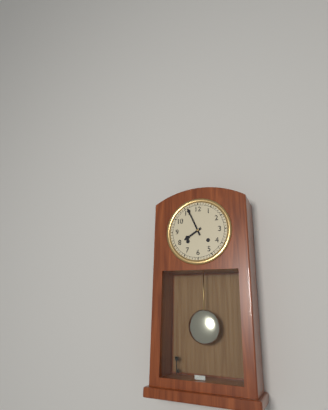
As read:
7.56
